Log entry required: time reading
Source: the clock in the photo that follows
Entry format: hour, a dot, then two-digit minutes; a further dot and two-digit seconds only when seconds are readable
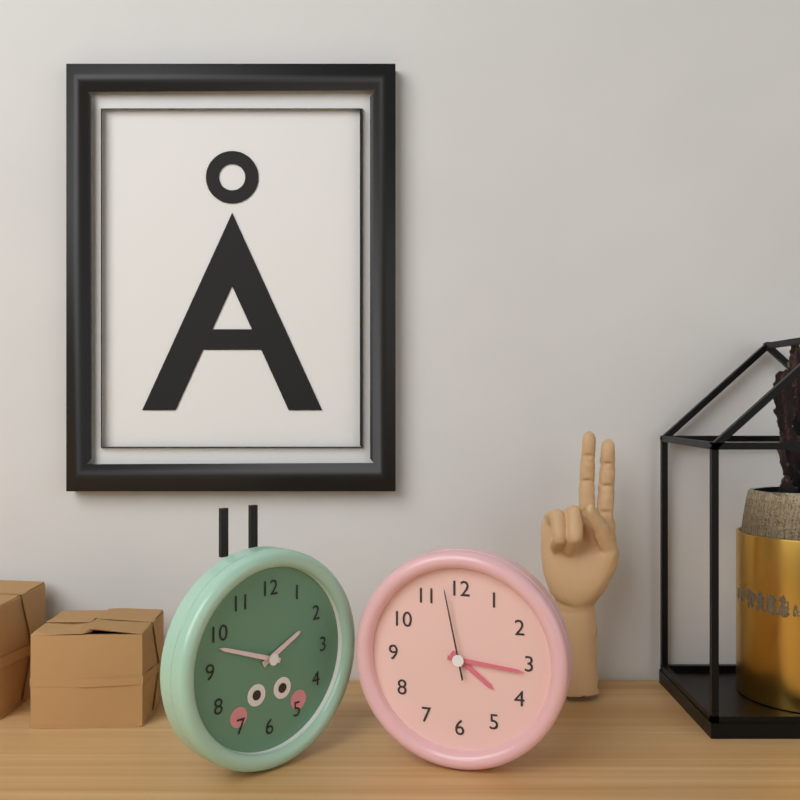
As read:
4.16.58
